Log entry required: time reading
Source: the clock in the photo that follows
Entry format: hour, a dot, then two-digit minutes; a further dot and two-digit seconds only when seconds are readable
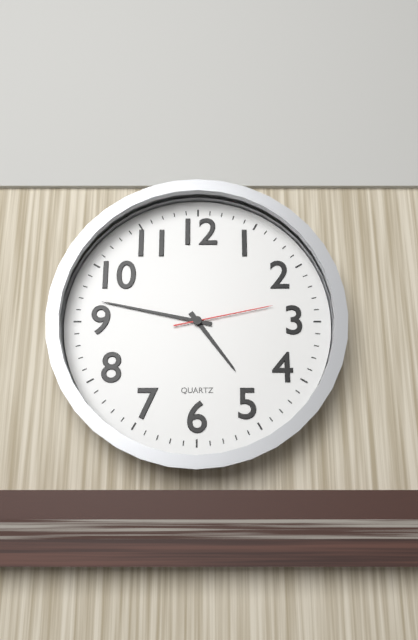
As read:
4.47.13
